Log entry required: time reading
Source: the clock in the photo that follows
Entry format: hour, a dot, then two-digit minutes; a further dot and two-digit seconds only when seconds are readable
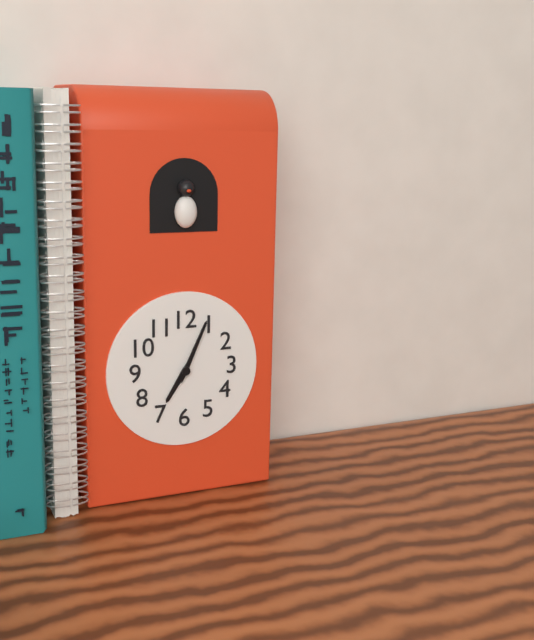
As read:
7.04
